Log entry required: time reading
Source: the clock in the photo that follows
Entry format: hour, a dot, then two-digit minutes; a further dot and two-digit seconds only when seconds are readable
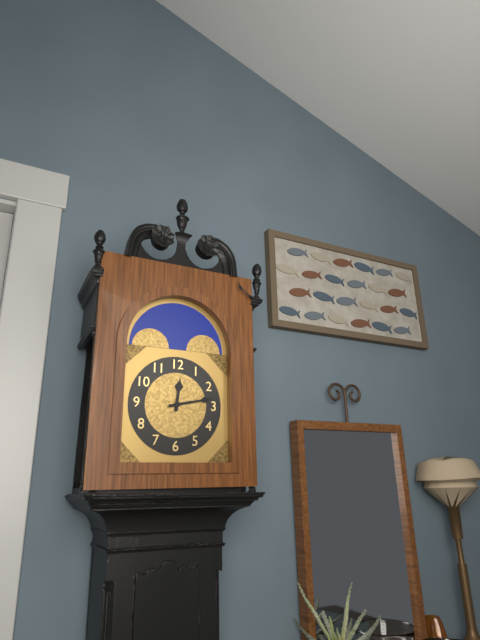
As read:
12.13
